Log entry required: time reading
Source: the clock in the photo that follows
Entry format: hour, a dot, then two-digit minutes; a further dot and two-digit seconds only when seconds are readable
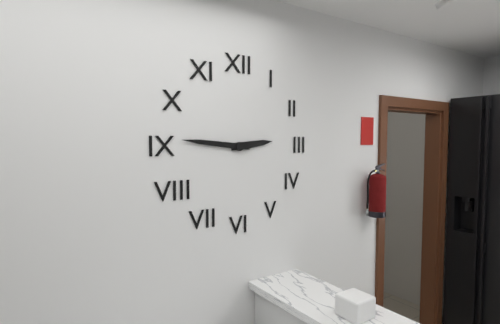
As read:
2.46
